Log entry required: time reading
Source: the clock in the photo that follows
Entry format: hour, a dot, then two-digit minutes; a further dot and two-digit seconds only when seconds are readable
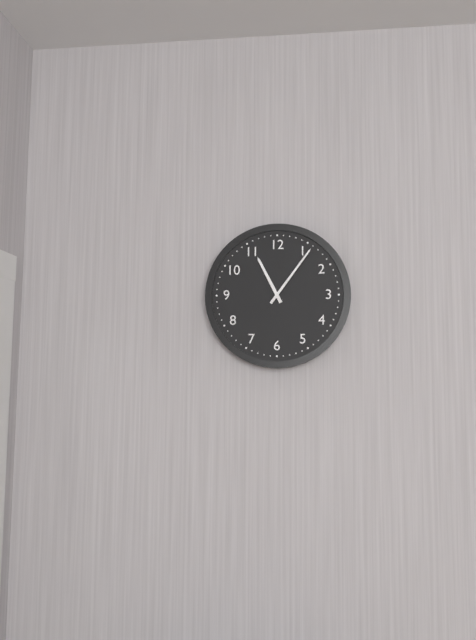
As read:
11.06
